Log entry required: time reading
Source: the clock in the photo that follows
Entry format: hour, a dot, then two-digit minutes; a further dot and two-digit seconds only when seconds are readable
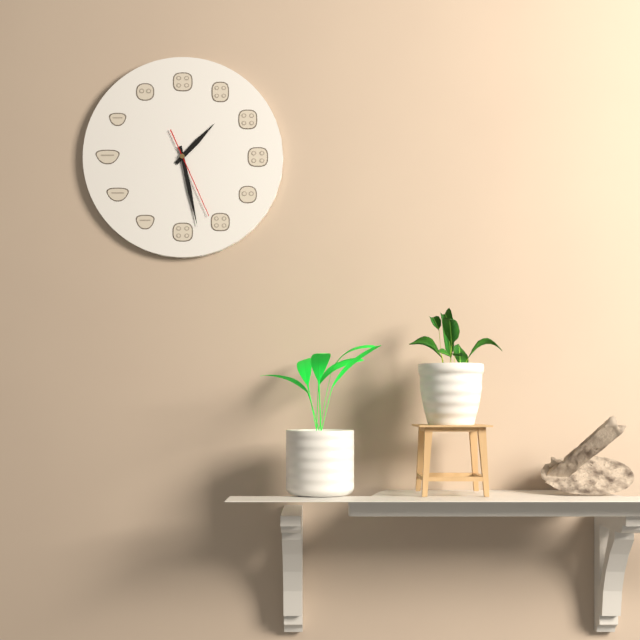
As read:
1.28.26
